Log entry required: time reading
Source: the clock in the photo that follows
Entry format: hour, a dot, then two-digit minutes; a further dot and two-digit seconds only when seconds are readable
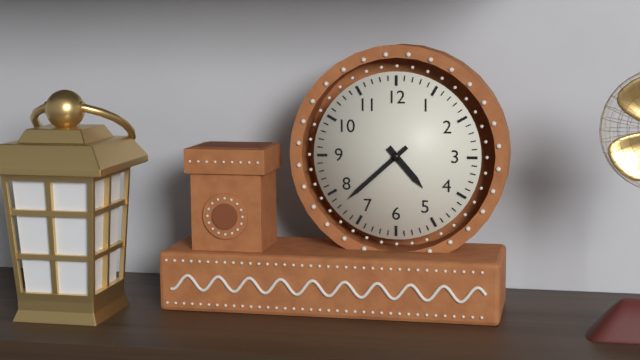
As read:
4.38
